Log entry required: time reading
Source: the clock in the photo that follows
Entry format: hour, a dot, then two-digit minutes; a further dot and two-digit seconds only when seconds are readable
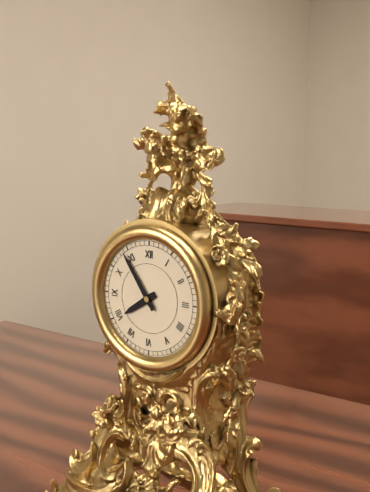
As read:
7.54
